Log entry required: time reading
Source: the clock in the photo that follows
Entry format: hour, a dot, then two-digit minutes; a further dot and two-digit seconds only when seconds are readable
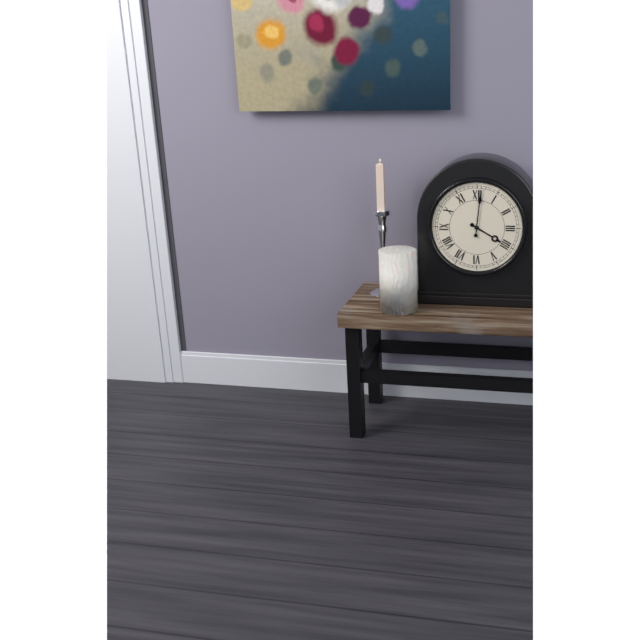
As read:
4.01
